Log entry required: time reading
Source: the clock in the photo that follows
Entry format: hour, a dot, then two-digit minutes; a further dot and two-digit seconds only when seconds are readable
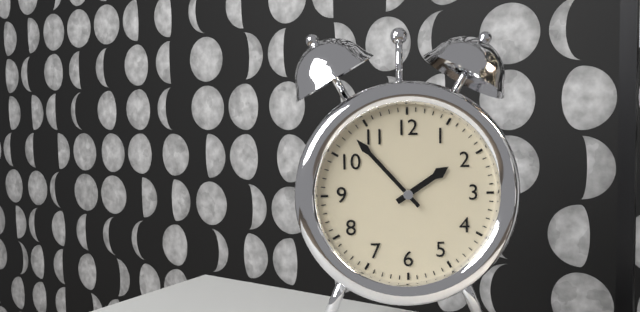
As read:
1.53
